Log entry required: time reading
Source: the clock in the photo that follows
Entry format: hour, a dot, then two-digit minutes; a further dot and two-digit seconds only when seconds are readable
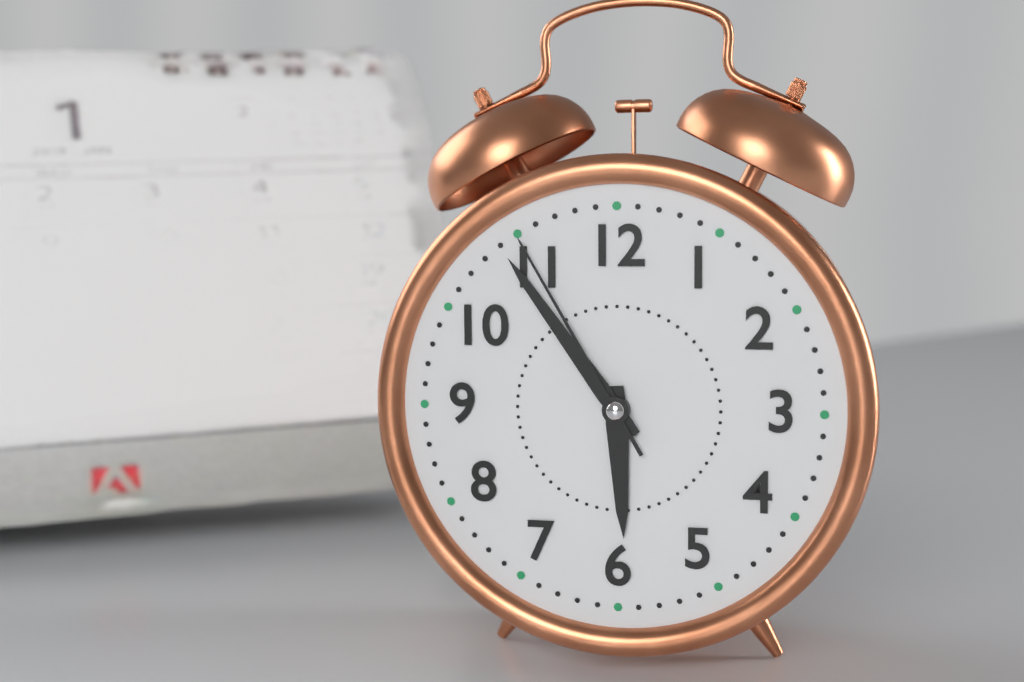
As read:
5.54.55
